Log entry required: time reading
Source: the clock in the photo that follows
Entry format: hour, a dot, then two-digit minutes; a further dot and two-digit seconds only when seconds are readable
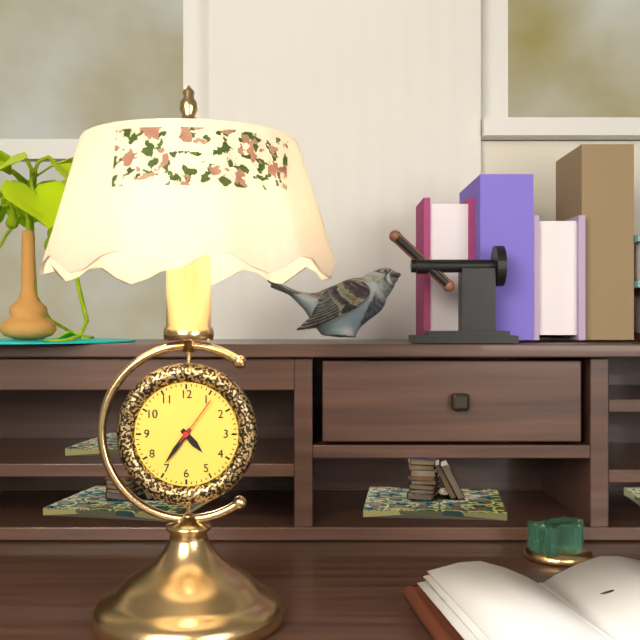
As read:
4.36.06
